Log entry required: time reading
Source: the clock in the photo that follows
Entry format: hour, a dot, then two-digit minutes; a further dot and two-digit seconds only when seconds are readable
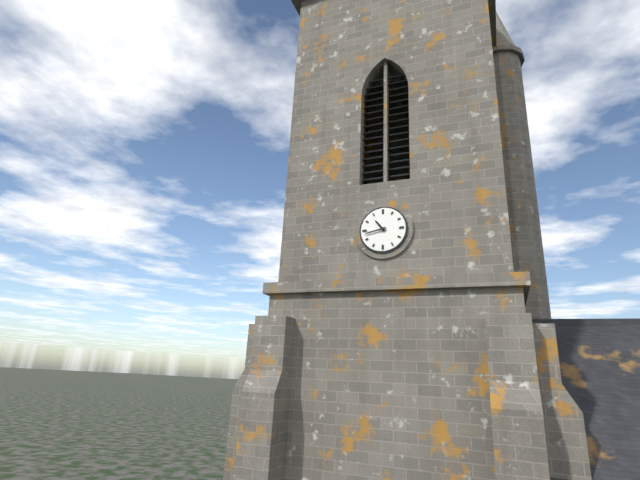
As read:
10.43
